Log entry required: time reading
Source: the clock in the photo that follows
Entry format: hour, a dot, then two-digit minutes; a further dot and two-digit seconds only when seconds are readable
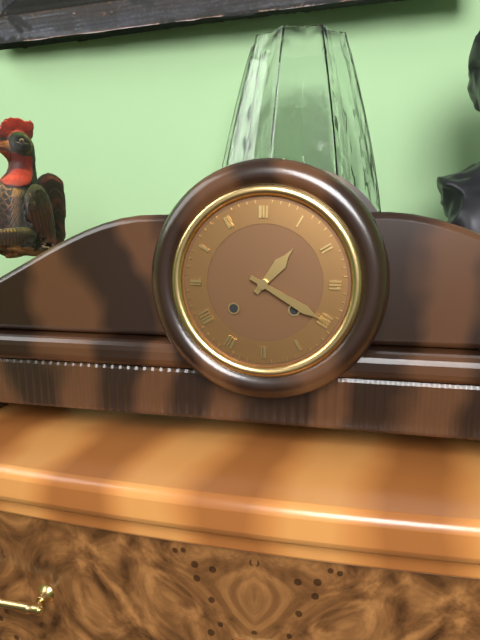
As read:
1.20
